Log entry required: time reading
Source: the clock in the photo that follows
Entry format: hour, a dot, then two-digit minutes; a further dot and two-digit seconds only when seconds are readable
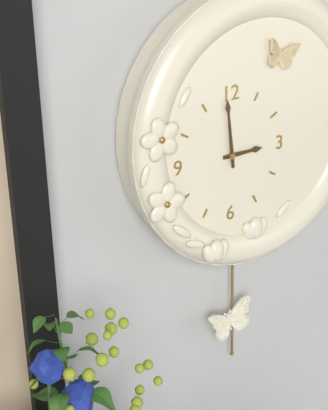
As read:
2.59
